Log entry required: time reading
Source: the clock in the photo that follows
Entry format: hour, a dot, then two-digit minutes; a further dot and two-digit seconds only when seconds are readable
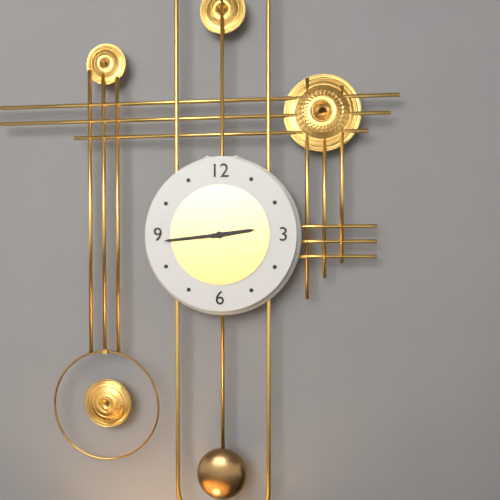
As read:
2.44
